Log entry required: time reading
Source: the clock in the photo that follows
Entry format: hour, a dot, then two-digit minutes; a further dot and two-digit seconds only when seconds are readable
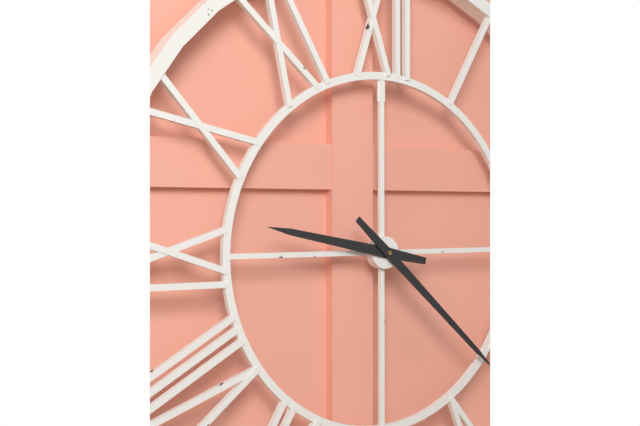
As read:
9.22
